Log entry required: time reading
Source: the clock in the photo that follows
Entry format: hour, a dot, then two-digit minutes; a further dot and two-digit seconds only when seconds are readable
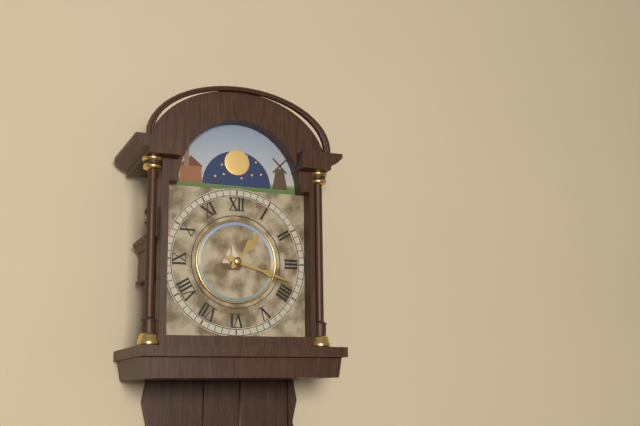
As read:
1.18
